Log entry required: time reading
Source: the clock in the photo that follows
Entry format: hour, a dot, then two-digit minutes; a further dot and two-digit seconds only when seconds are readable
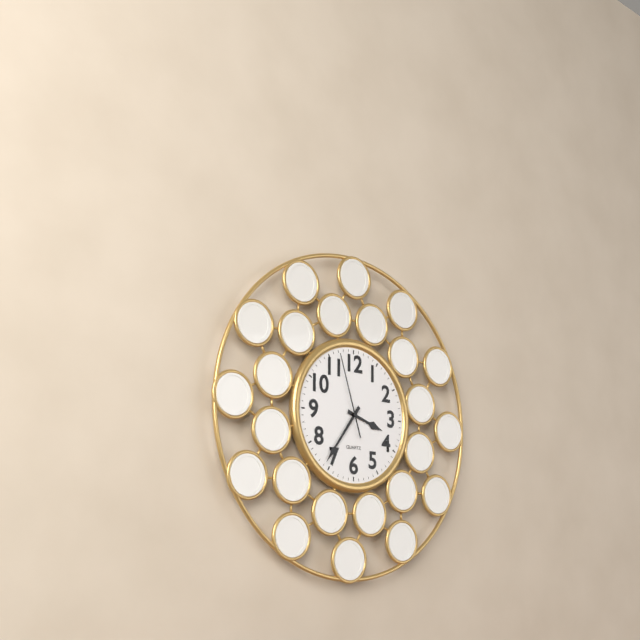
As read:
3.36.57
